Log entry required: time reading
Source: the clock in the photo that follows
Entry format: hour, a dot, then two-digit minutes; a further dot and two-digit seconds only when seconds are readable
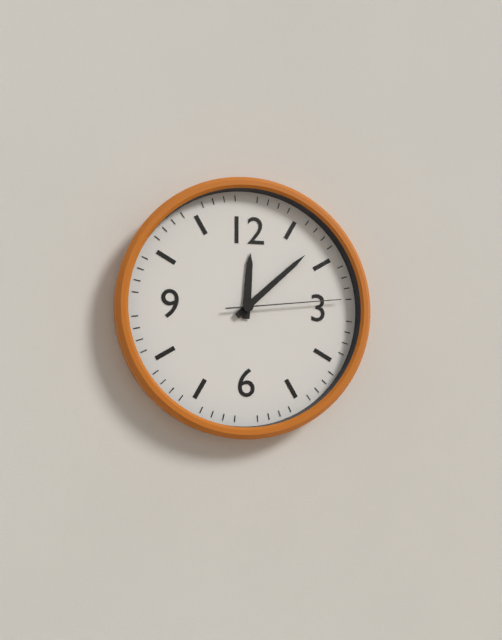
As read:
12.08.14
